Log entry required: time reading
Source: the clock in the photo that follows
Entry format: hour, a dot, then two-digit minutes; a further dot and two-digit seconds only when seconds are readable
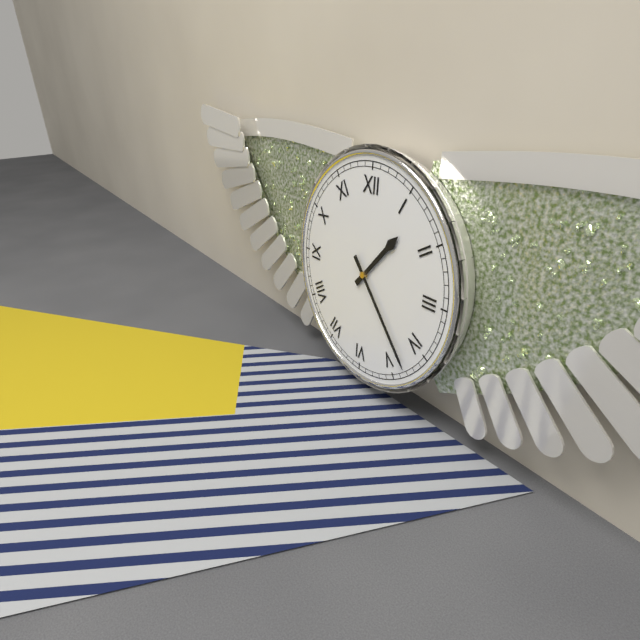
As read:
1.23
